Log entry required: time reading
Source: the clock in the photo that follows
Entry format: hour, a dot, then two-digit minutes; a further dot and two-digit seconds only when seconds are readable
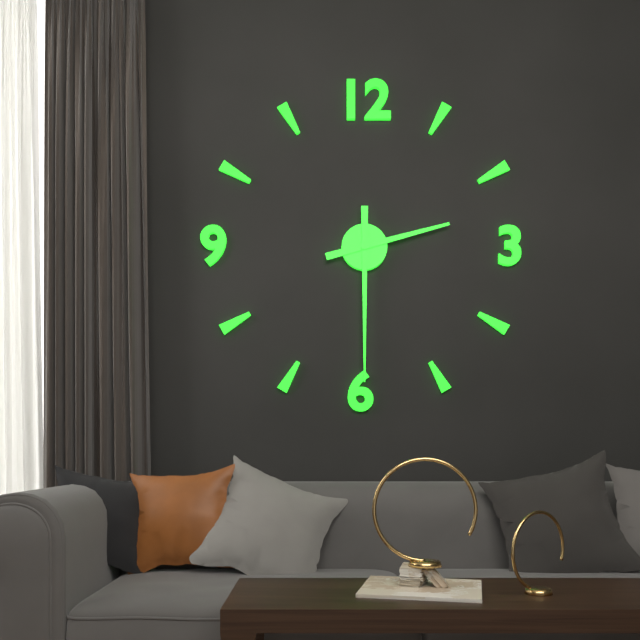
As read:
2.30
